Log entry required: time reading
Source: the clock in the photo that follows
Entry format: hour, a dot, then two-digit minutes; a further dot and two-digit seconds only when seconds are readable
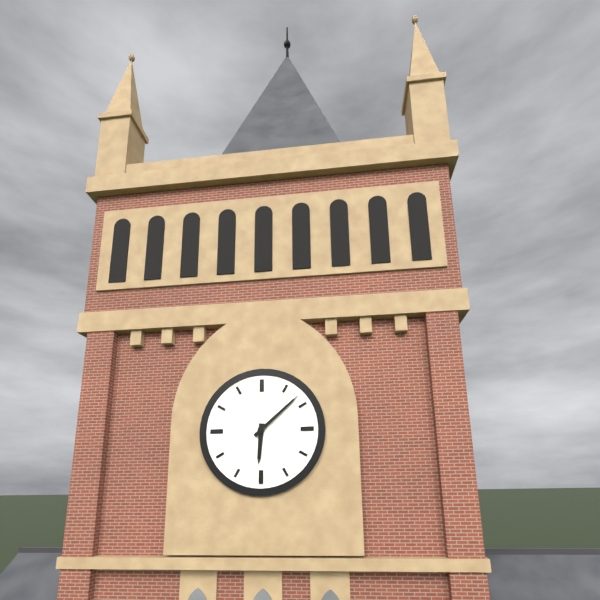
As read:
6.08
